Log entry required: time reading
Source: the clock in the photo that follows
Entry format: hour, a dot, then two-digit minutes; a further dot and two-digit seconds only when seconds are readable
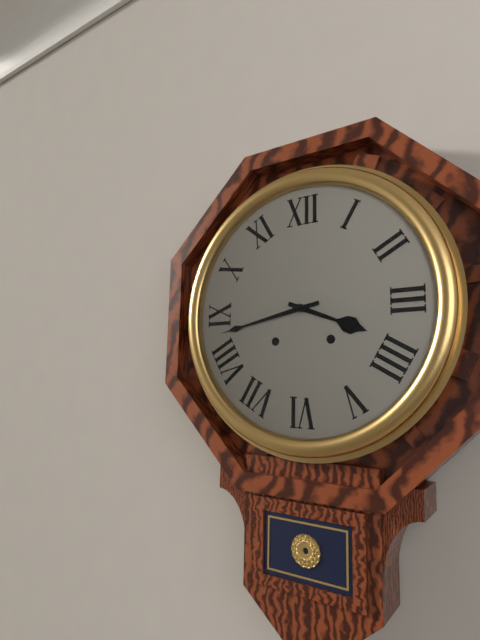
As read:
3.43
